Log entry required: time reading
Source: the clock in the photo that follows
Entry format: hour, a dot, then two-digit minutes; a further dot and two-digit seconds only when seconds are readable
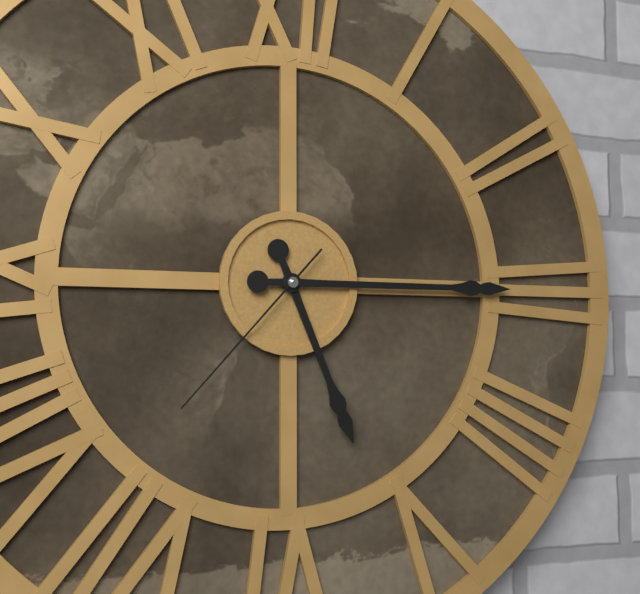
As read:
5.15.37
